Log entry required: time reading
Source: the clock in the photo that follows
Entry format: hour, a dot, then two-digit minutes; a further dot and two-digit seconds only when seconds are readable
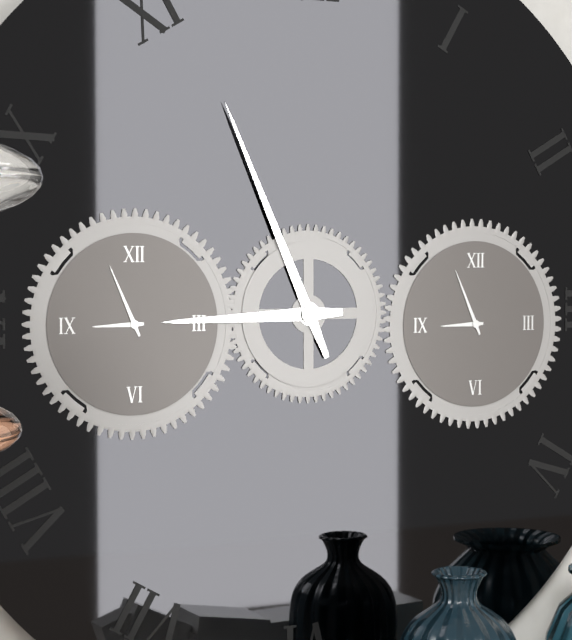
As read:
8.56
